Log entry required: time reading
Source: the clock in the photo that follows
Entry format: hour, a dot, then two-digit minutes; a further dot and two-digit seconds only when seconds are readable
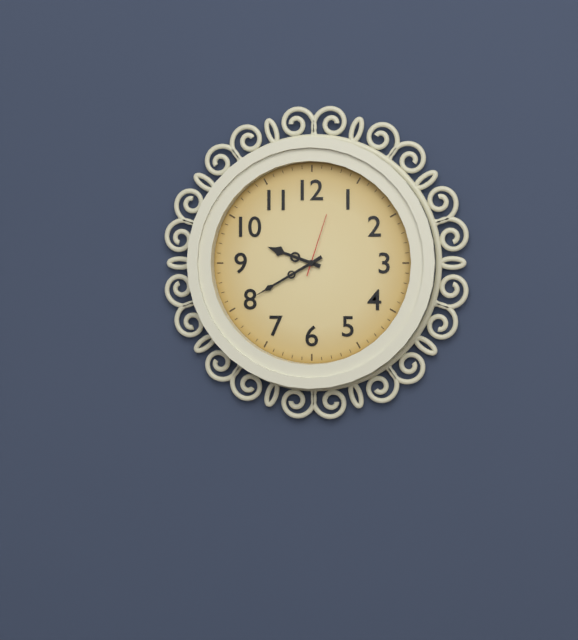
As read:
9.40.03
